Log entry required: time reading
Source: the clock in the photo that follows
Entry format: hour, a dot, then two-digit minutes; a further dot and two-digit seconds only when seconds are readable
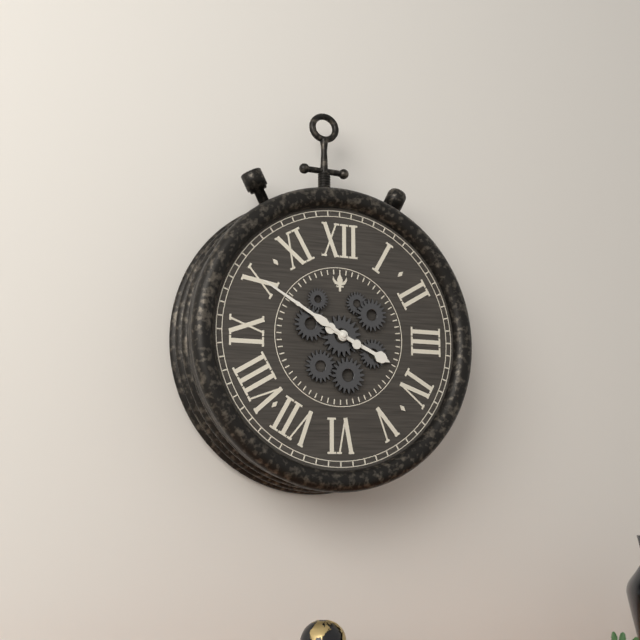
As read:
3.50
